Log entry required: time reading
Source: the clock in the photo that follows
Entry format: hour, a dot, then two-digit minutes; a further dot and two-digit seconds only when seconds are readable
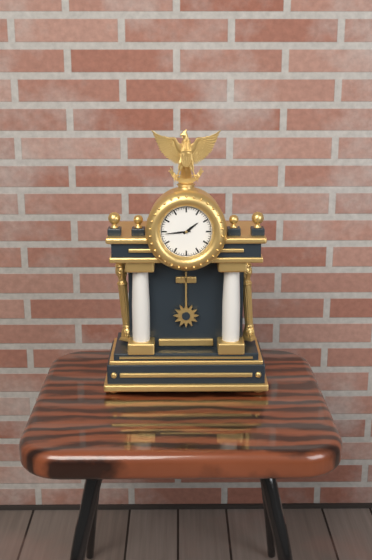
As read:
1.44
